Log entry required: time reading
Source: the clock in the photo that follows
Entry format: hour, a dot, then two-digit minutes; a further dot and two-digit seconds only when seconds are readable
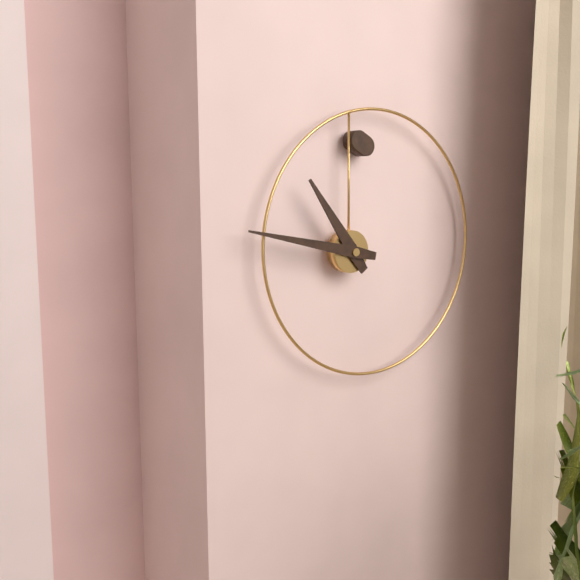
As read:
10.47
